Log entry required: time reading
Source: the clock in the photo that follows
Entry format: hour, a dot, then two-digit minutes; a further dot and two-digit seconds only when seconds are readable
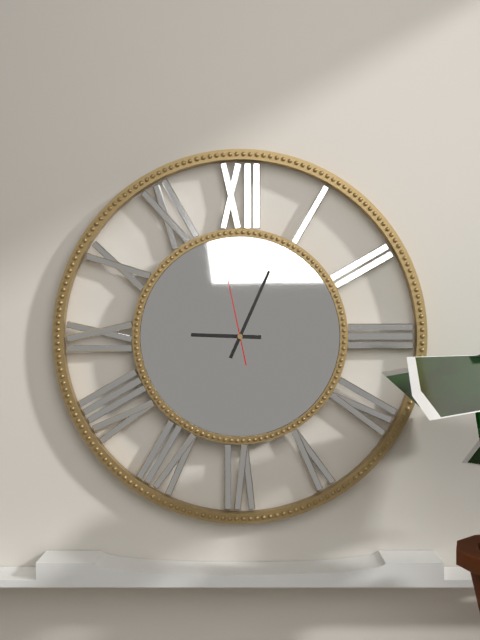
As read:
9.04.58
